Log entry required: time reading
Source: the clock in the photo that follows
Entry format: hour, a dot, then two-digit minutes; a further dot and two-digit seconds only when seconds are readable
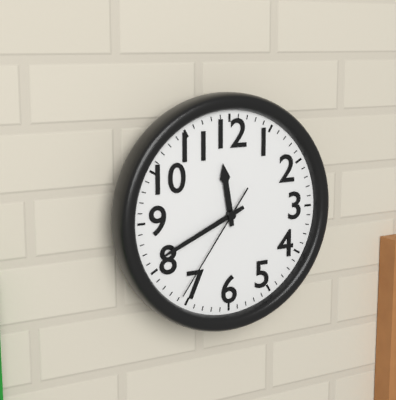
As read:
11.41.36
